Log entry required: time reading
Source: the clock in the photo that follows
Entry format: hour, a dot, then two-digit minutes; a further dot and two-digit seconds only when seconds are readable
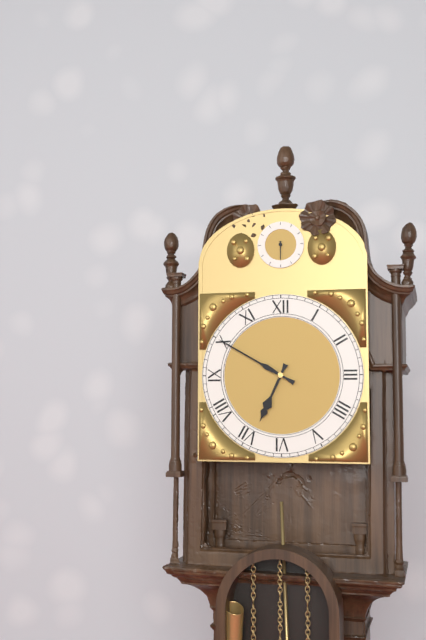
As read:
6.50
